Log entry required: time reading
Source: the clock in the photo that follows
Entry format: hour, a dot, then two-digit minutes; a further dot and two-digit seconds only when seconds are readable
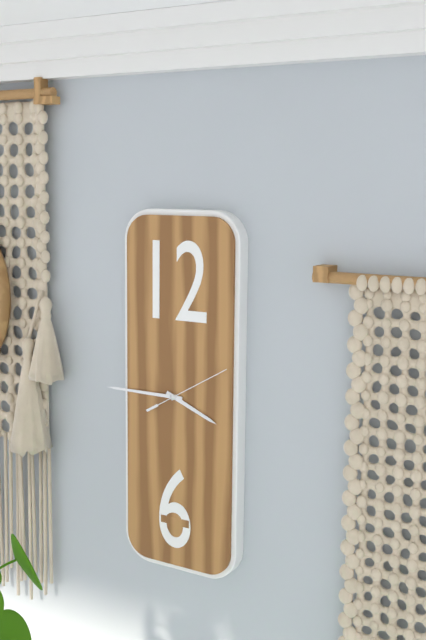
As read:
3.45.10
